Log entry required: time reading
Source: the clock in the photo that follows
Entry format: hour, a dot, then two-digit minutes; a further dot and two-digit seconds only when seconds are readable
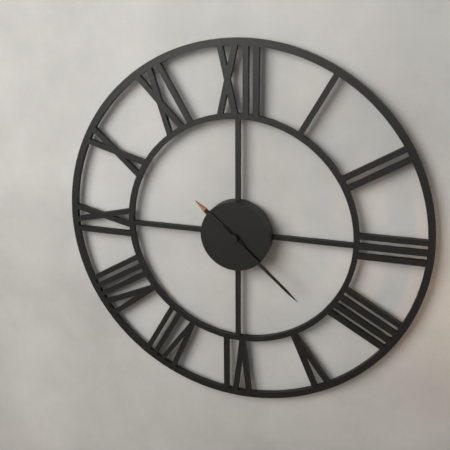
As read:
10.22
